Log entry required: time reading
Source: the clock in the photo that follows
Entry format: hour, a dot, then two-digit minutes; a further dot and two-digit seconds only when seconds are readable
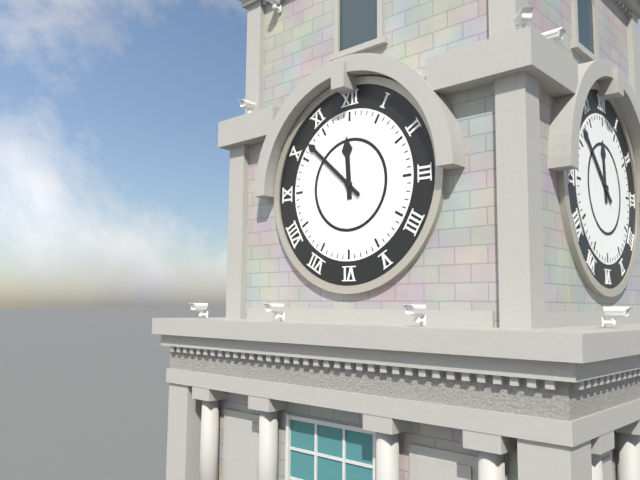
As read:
11.52
